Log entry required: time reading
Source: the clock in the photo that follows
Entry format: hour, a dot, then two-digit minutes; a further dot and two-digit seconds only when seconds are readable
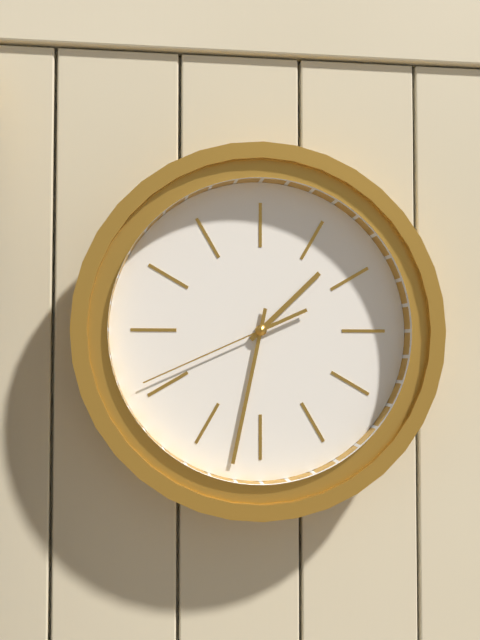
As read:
1.32.41
